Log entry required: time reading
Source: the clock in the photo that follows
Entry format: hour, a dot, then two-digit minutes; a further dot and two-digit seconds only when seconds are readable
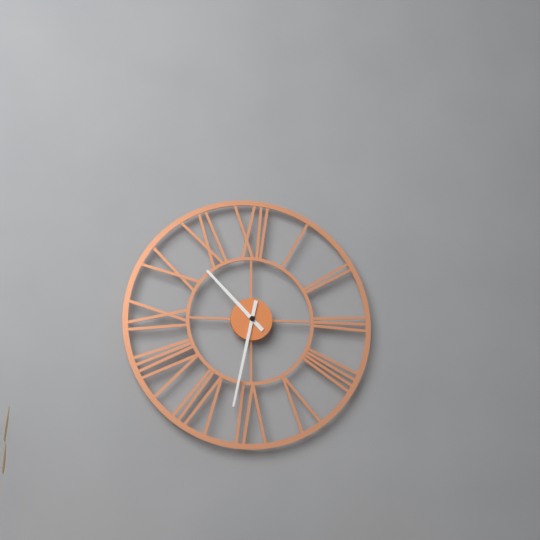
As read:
10.32
